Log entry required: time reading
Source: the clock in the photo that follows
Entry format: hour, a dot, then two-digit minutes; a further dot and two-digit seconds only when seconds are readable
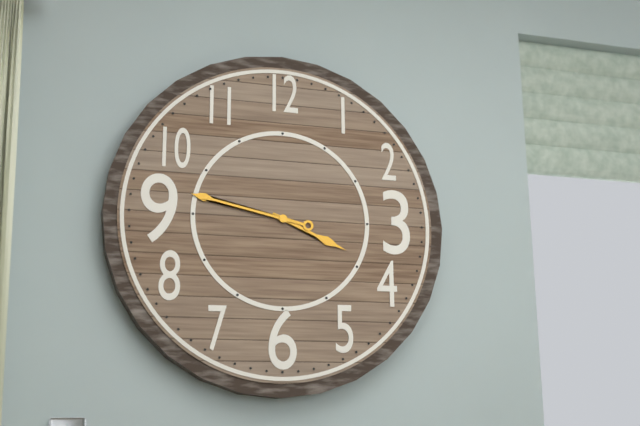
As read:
3.47
